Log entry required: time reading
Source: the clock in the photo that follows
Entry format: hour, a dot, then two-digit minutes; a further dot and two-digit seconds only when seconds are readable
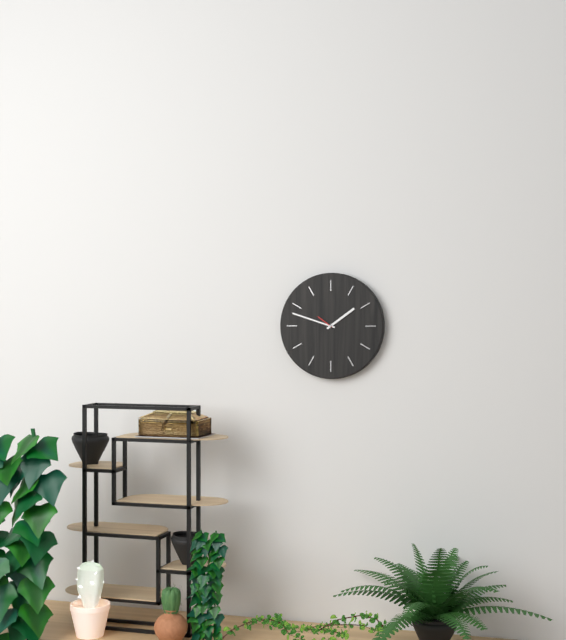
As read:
1.48
